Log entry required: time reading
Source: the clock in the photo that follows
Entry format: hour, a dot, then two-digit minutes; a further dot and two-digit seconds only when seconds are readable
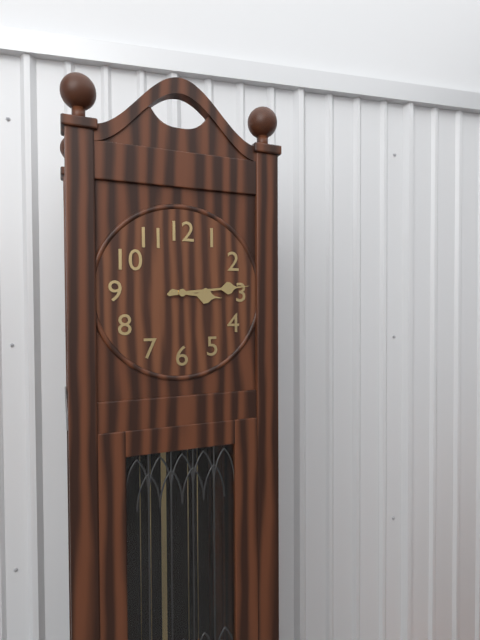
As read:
3.14
